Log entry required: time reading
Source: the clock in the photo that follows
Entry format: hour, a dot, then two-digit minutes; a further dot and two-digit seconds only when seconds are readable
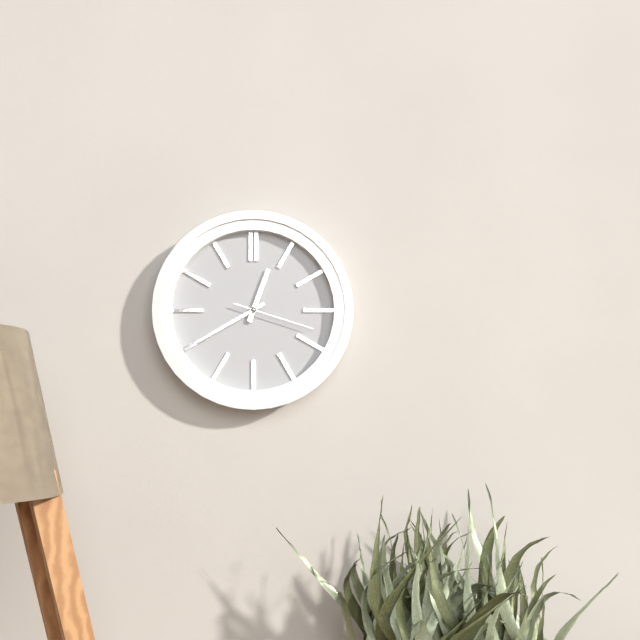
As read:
12.40.18
